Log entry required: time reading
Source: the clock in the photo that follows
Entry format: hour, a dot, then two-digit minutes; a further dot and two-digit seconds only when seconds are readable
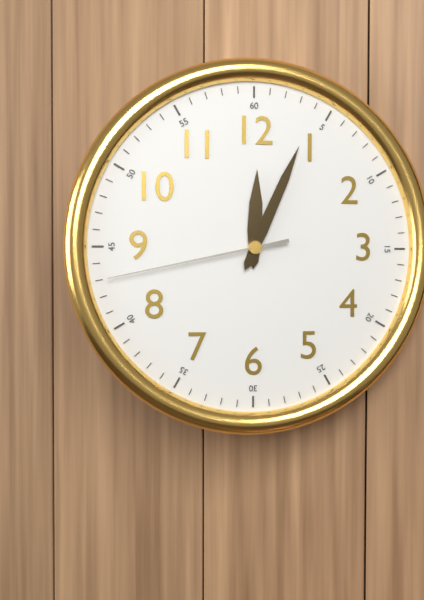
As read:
12.04.43
